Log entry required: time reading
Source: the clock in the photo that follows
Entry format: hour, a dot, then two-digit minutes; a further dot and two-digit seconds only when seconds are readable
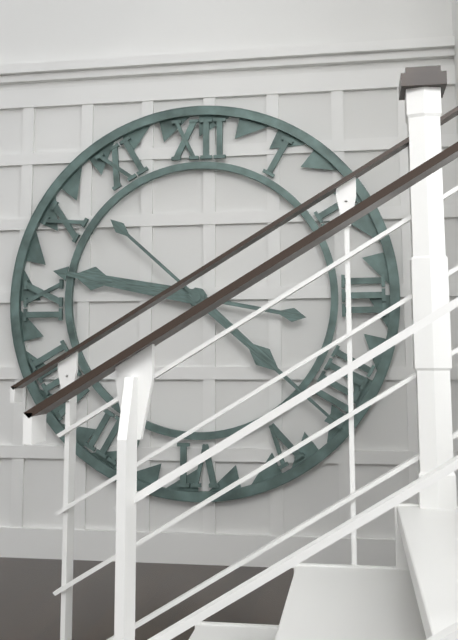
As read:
9.22
